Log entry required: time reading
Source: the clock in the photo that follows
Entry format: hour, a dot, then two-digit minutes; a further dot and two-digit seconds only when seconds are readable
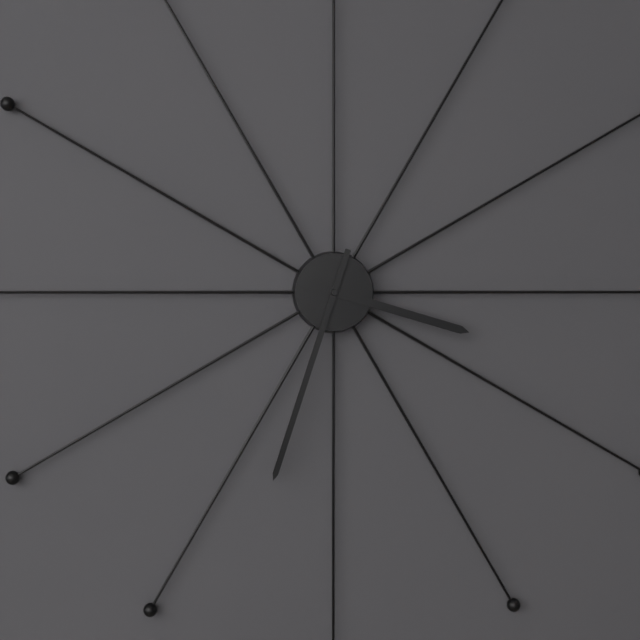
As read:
3.33
